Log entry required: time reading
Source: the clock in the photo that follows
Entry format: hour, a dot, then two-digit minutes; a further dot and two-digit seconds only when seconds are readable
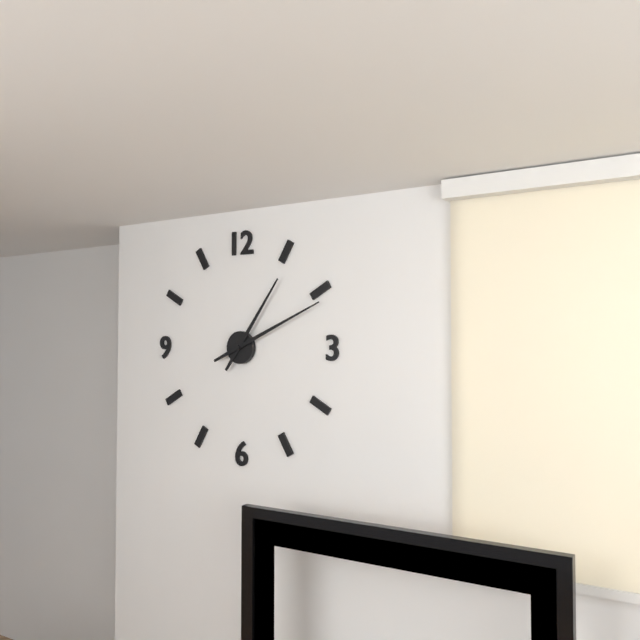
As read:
1.11
